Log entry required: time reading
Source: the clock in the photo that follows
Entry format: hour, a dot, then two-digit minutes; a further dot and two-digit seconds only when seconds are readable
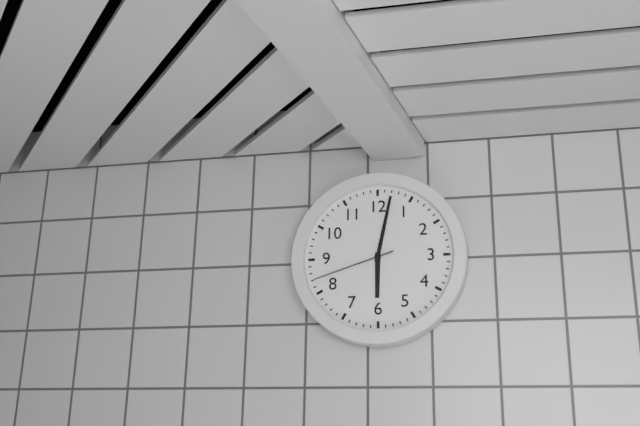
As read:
6.02.42
